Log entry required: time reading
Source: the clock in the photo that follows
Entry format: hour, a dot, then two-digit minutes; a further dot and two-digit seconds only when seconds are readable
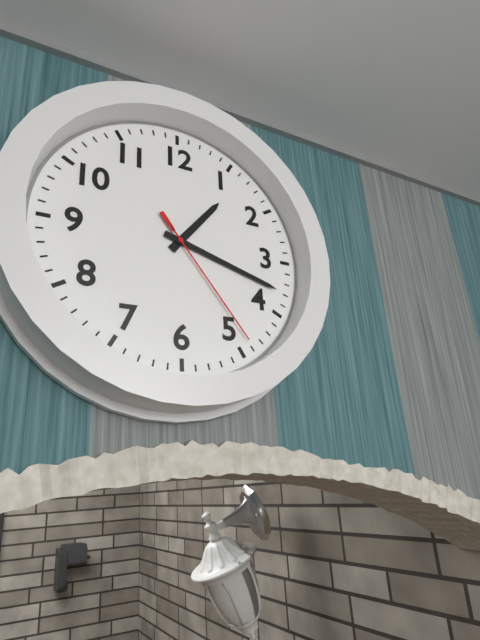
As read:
1.18.24
